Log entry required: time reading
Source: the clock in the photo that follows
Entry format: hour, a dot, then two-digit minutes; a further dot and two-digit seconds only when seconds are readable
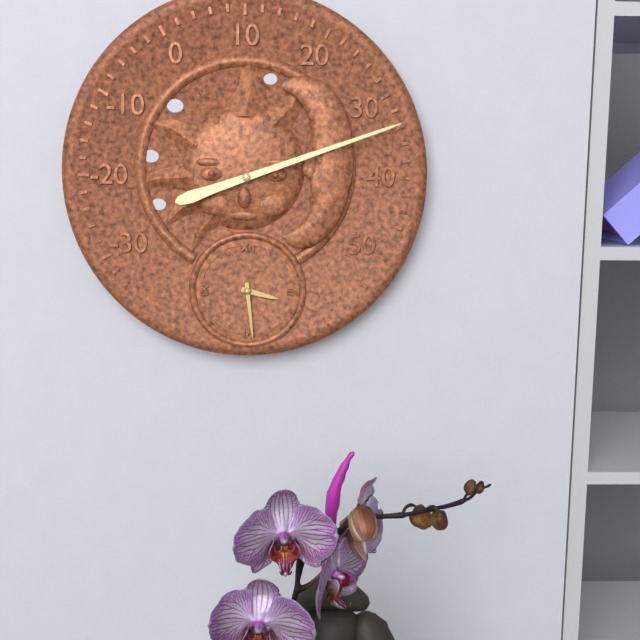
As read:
3.29
